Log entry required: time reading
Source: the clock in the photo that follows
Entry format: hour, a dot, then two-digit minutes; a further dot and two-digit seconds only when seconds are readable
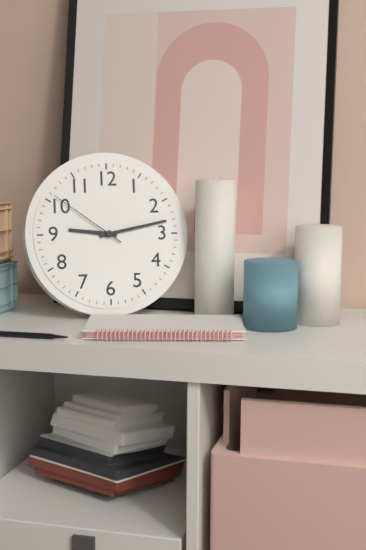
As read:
9.13.51
